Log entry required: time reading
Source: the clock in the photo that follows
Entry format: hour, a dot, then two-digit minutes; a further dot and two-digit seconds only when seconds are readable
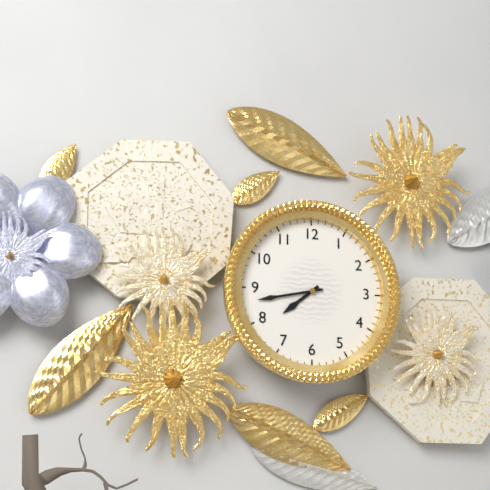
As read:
7.43
